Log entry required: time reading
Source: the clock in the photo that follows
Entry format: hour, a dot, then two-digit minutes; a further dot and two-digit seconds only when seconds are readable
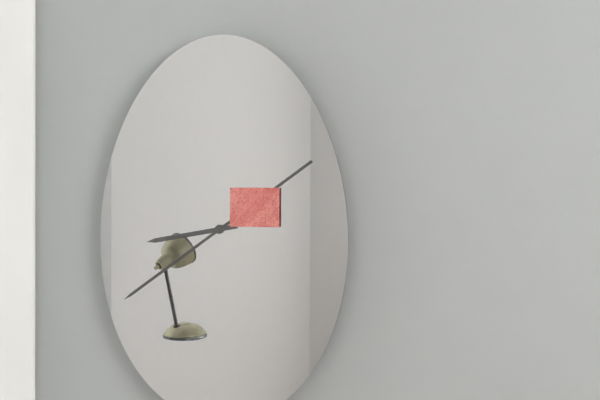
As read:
8.39
